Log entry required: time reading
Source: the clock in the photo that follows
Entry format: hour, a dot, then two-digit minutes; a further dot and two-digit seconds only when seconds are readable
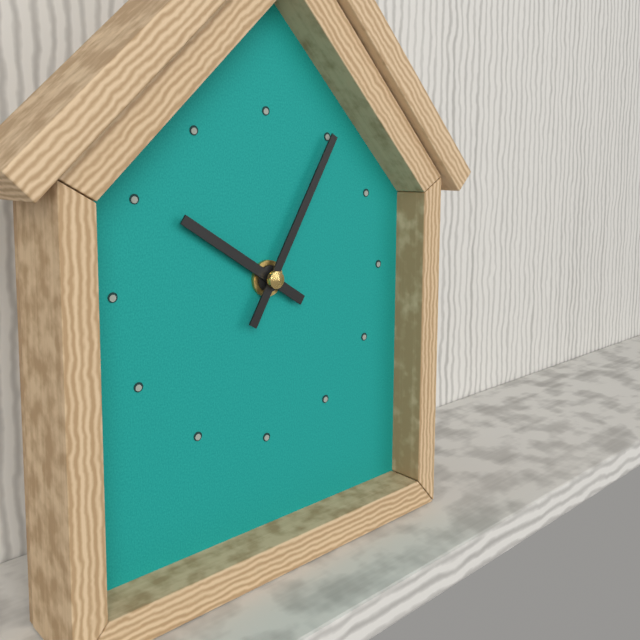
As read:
10.05
